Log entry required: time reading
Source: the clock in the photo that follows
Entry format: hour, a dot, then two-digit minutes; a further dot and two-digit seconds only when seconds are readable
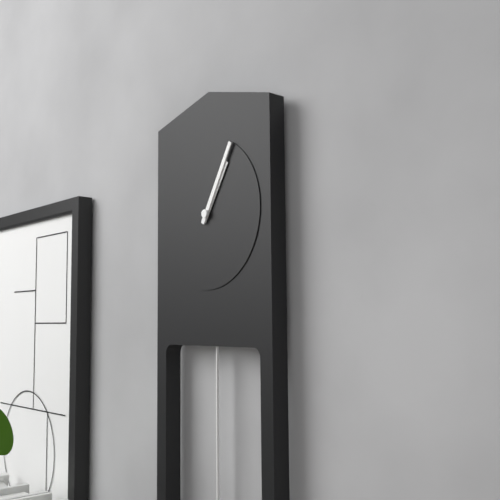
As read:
1.05
